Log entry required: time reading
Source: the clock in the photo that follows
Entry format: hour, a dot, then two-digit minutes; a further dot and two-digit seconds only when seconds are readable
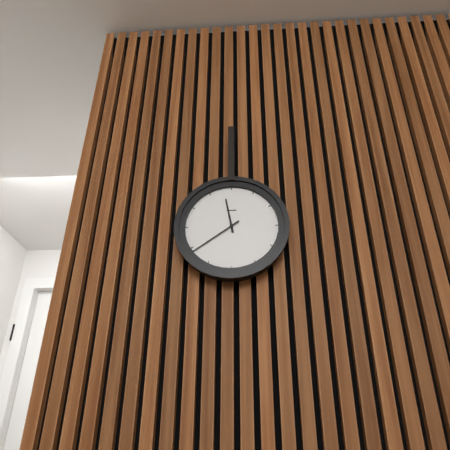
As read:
11.39
